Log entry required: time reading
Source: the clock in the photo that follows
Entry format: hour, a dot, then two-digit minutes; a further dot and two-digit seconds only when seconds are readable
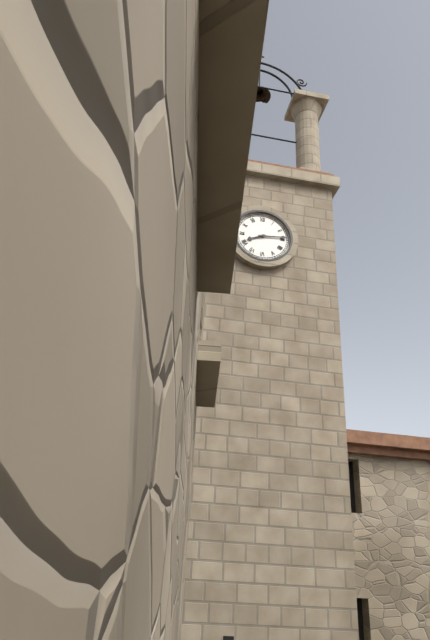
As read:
8.14
